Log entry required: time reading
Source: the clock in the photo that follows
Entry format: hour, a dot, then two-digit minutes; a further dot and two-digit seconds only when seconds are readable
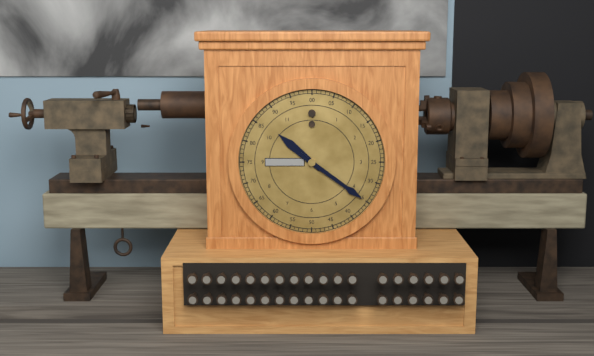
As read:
10.21
